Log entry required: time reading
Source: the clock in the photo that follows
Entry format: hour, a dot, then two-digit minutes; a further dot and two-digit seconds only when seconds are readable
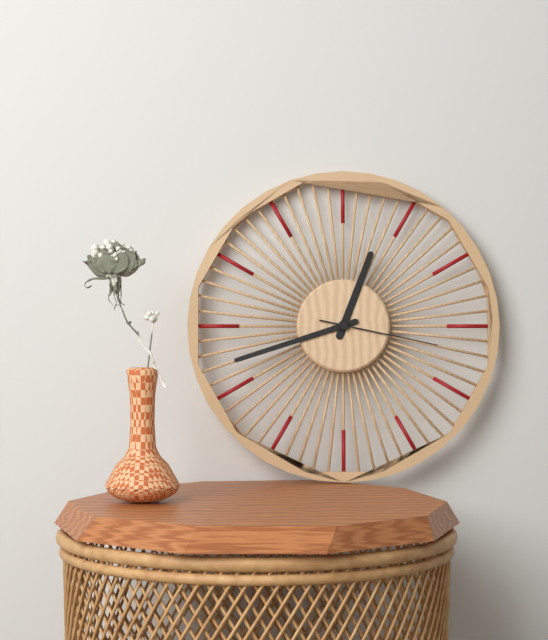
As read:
12.42.17
